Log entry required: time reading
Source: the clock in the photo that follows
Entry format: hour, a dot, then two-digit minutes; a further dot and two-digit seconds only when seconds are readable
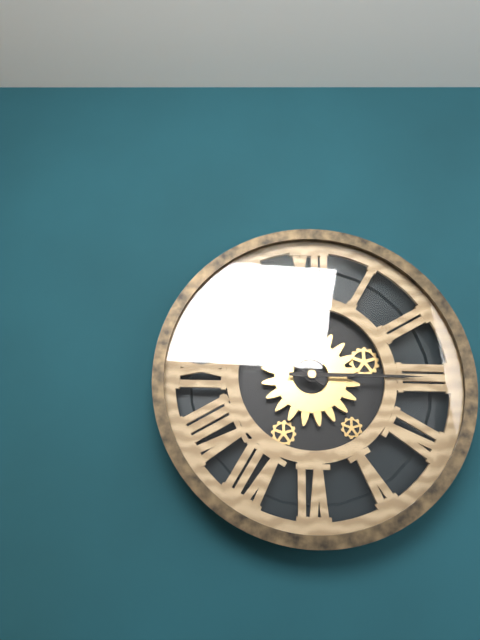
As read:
10.15
